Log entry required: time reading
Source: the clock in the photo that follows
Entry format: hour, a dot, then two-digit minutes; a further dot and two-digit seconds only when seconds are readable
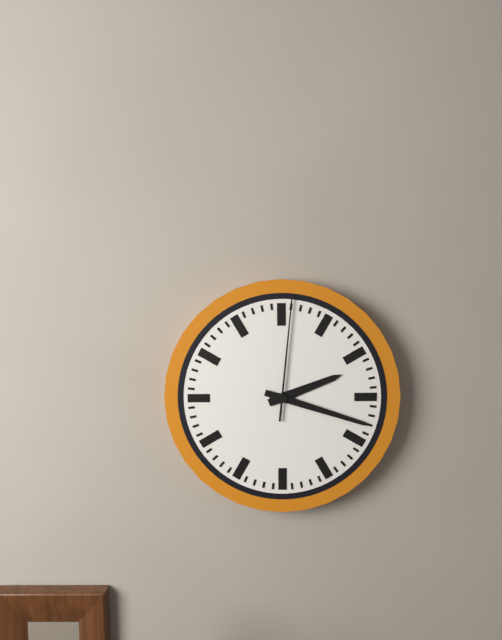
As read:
2.18.01
